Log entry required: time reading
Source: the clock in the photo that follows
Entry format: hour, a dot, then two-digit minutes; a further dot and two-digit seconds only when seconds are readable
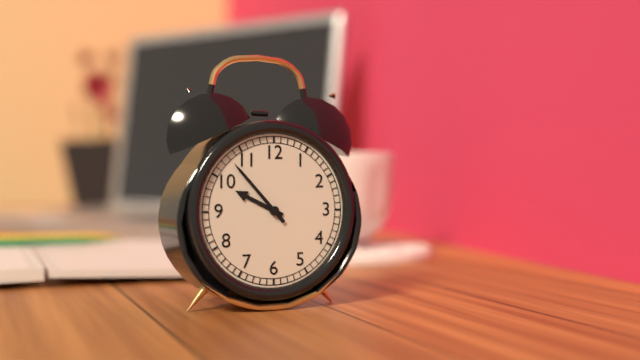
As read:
9.53
